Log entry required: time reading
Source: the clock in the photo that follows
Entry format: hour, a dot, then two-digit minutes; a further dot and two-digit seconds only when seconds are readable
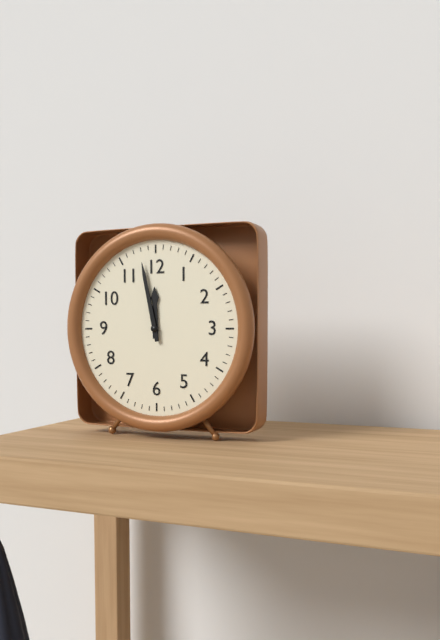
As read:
11.58
